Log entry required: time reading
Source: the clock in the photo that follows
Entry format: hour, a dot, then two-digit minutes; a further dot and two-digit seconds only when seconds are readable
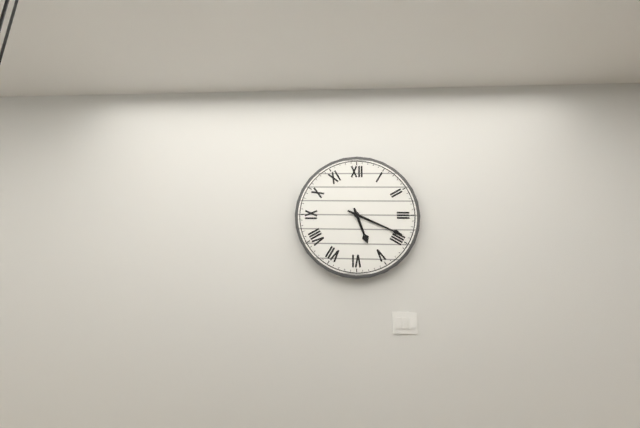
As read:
5.19
